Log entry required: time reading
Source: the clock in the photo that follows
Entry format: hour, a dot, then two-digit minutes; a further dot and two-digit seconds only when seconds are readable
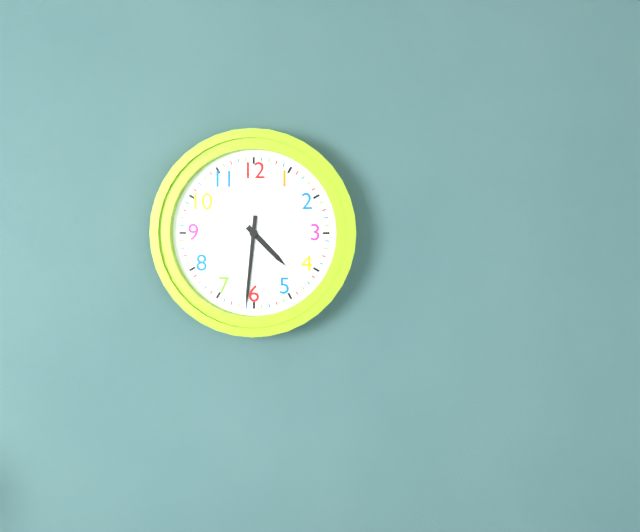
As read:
4.31
